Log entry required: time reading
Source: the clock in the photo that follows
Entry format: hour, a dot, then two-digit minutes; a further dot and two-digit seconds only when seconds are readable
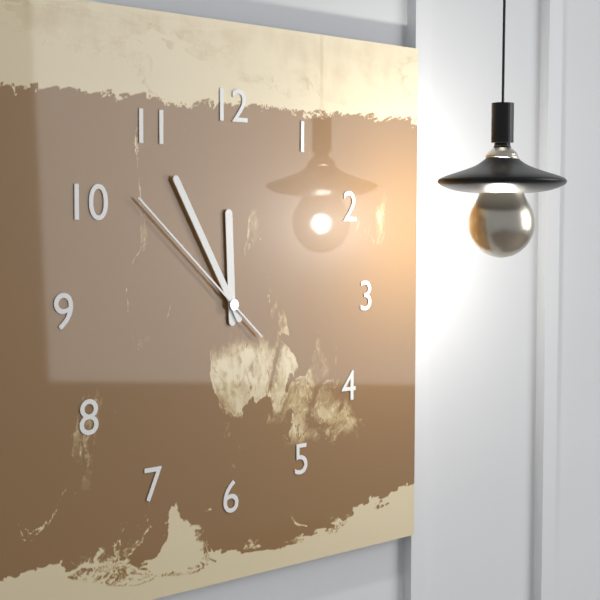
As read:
11.55.52
